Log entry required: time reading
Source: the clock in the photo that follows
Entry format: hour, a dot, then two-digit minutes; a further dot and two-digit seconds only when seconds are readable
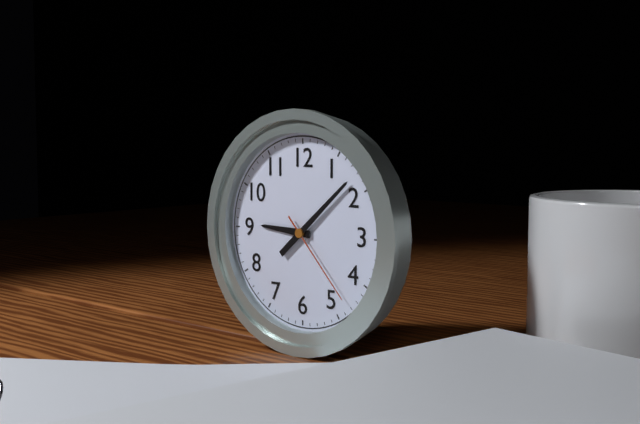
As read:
9.08.23
